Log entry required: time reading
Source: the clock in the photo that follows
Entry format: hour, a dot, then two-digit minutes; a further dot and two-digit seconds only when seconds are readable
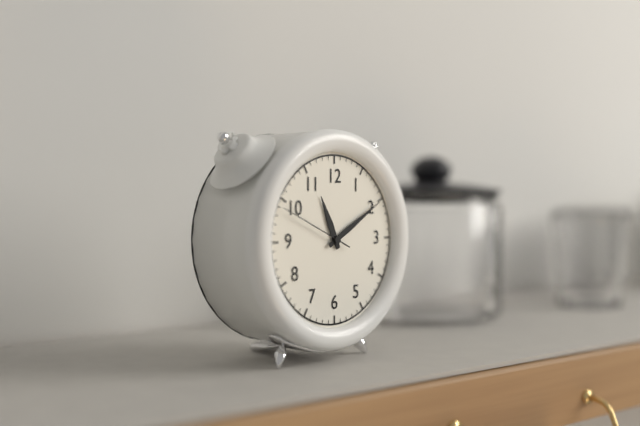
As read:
11.10.49
